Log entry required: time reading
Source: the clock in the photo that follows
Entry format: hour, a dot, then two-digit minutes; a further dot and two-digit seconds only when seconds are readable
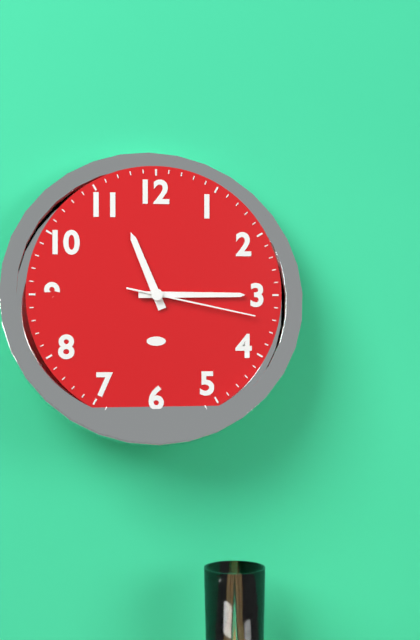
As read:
11.15.17
